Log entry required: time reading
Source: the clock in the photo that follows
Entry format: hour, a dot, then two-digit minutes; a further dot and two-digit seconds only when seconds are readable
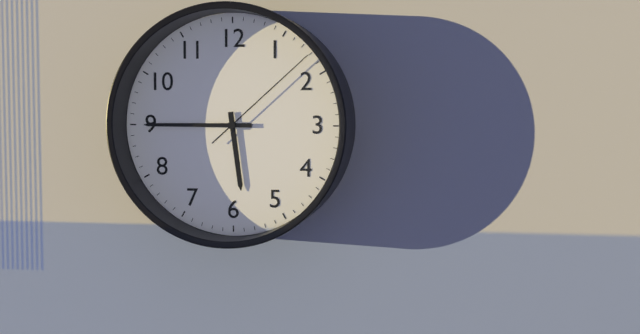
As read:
5.45.08
